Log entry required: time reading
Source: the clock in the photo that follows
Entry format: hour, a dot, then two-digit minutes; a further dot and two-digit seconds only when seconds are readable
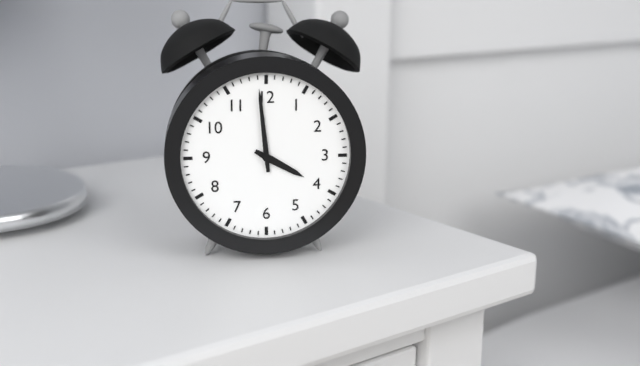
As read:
3.59
